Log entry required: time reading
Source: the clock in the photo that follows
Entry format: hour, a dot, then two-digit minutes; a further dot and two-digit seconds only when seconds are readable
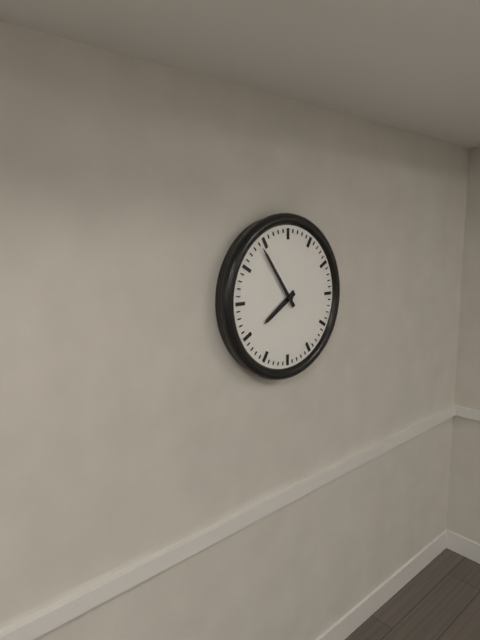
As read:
7.54
